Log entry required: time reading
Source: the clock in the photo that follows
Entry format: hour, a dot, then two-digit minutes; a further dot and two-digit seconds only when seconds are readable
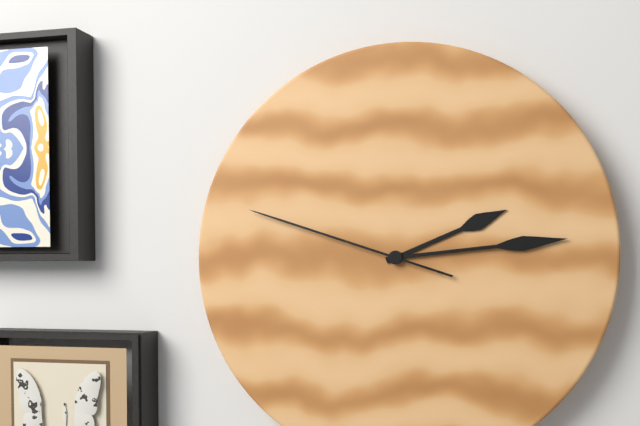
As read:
2.14.48
